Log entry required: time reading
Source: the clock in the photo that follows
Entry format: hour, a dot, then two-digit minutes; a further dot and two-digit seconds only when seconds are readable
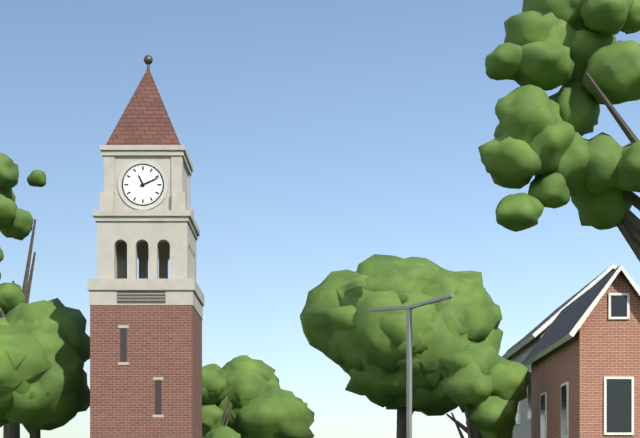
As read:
11.11
